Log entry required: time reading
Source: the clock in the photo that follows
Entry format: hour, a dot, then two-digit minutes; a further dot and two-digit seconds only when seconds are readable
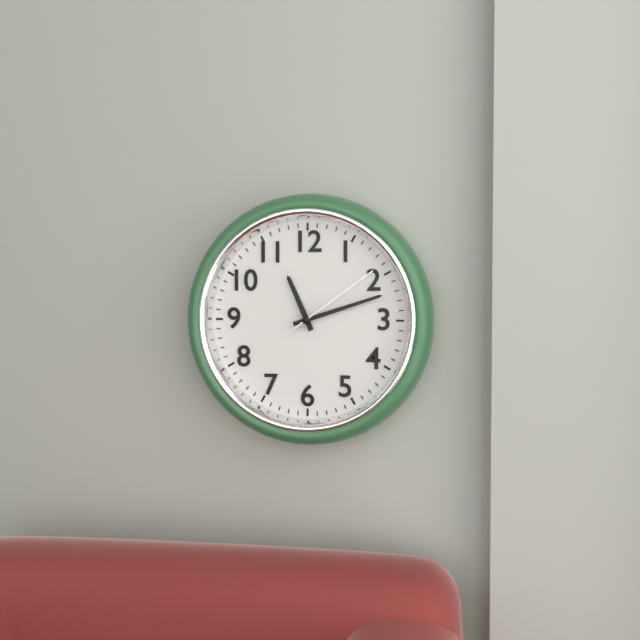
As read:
11.12.09
